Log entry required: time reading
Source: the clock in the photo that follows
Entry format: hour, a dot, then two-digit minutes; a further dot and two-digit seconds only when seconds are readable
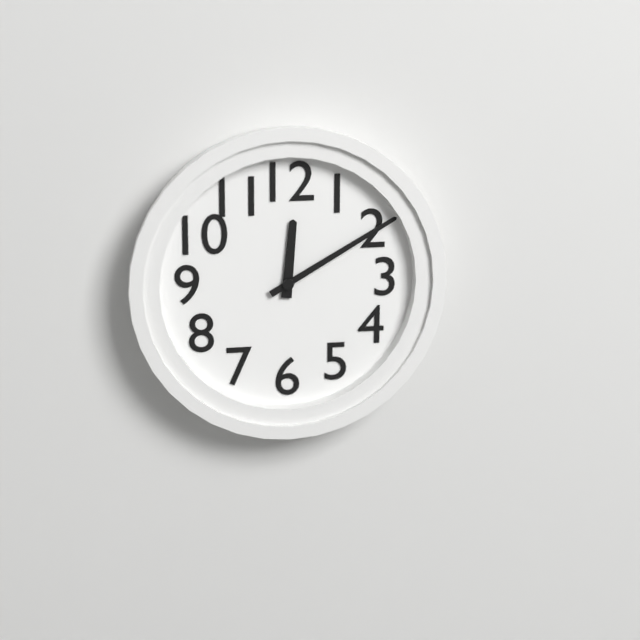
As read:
12.10
